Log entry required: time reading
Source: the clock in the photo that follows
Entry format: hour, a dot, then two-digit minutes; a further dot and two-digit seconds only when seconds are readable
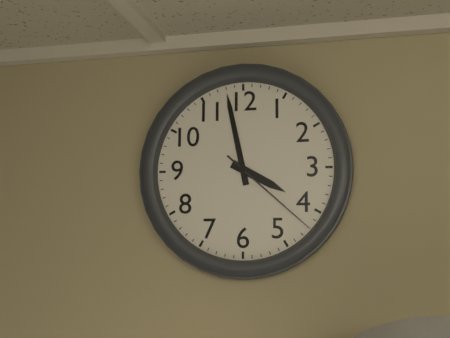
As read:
3.58.22
